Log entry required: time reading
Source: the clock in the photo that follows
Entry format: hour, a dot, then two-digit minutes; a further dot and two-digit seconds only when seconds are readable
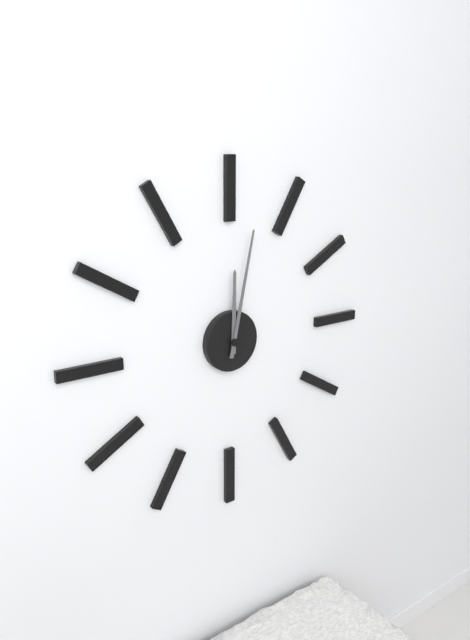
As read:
12.02
